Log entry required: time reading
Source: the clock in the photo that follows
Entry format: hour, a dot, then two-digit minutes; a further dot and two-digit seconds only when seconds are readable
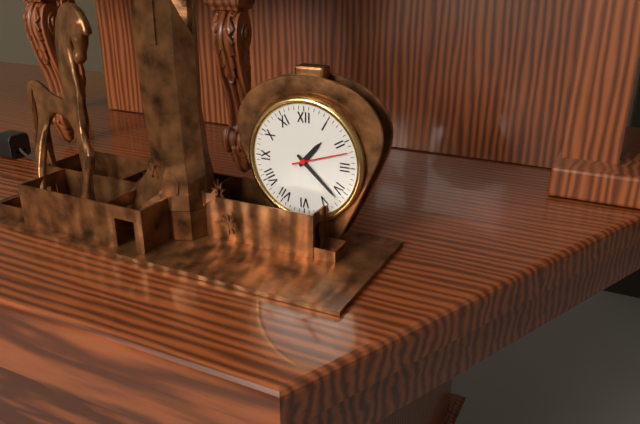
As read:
1.22
